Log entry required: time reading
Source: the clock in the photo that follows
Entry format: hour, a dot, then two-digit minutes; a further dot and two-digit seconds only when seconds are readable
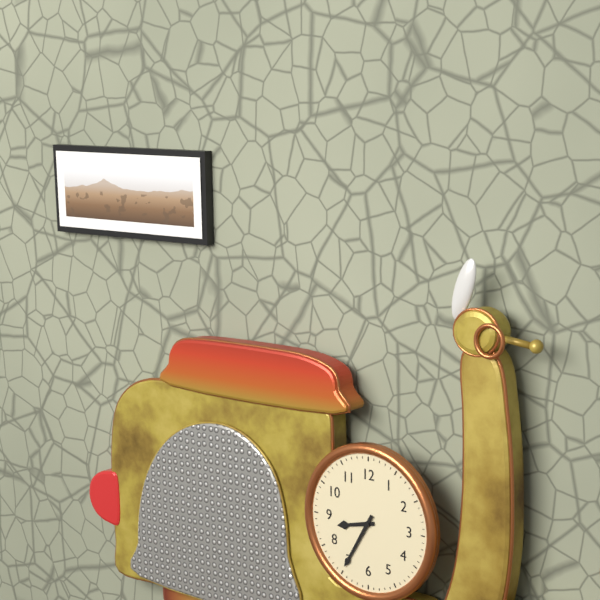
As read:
8.35
